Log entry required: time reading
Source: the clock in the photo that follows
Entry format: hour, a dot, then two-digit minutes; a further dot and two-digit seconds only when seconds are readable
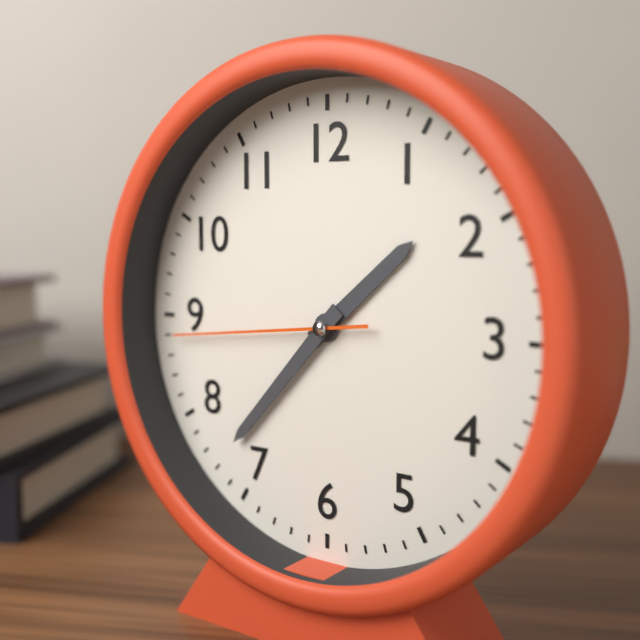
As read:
1.37.44
